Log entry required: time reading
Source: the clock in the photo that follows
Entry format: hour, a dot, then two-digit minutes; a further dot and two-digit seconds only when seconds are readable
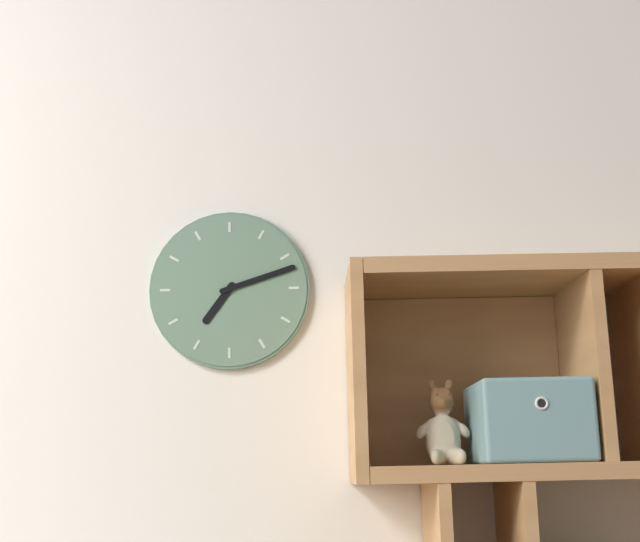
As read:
7.12
